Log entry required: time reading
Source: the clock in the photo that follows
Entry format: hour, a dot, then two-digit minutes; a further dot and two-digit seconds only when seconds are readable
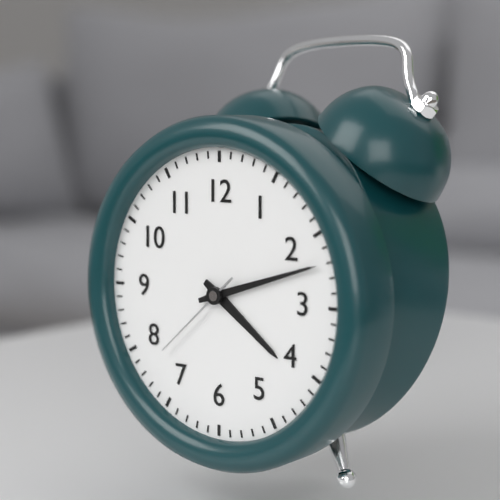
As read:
4.12.38
